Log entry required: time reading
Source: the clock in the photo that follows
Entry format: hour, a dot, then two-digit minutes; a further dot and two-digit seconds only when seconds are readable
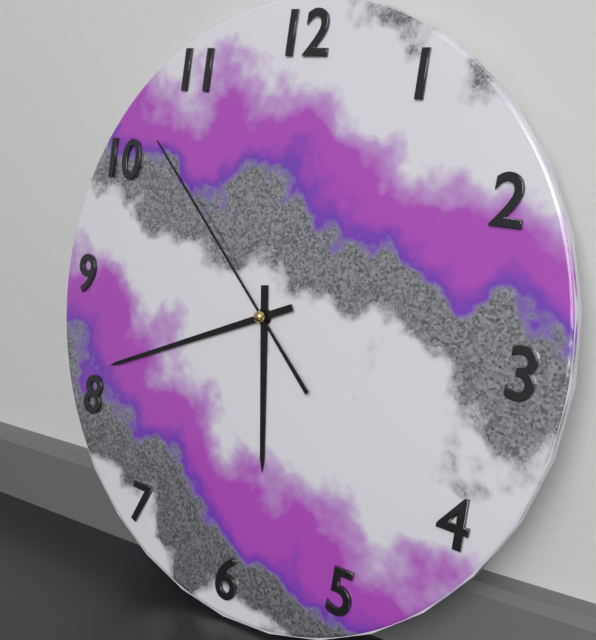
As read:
5.41.52
